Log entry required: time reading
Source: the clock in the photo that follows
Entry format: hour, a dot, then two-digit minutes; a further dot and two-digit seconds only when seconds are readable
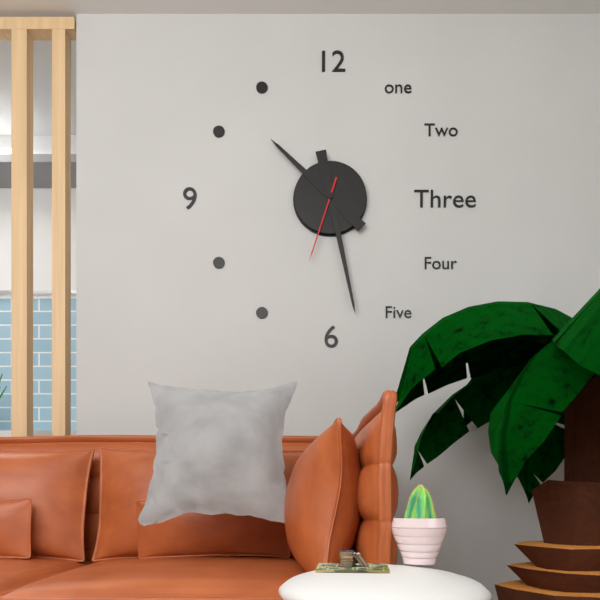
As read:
10.28.33
